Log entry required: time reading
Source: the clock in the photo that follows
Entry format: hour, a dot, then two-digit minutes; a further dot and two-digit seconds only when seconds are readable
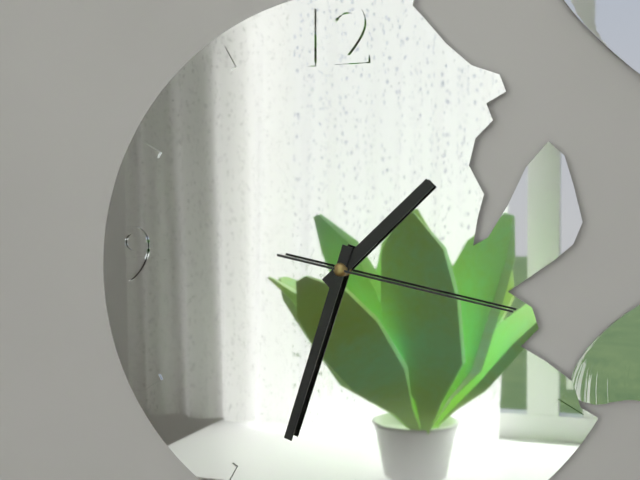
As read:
1.33.17
